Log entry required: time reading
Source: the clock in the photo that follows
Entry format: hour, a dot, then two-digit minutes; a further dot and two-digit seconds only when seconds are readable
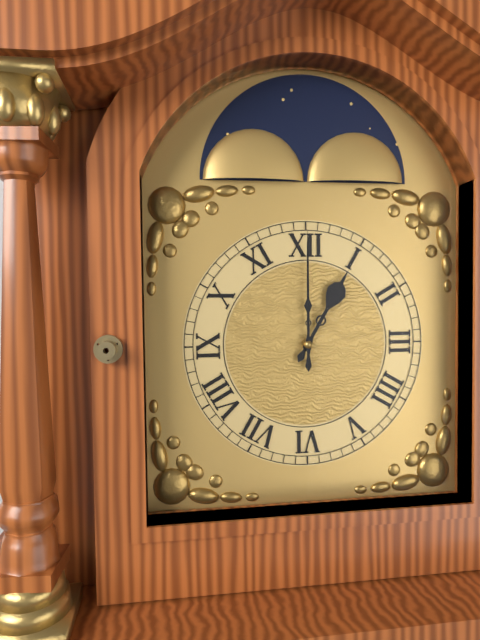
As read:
1.00
